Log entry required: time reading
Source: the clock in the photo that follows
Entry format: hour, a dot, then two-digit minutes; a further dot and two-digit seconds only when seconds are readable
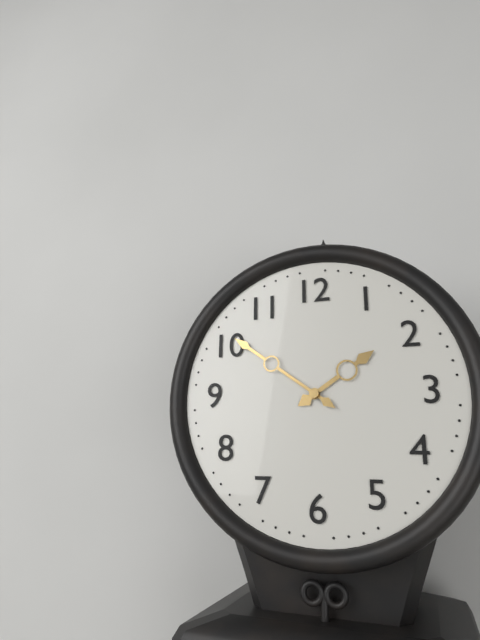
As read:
1.51
